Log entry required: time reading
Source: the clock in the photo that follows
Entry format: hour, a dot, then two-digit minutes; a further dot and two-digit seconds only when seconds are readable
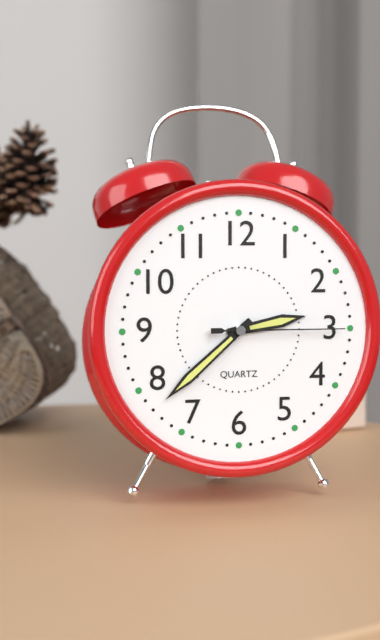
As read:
2.38.15
